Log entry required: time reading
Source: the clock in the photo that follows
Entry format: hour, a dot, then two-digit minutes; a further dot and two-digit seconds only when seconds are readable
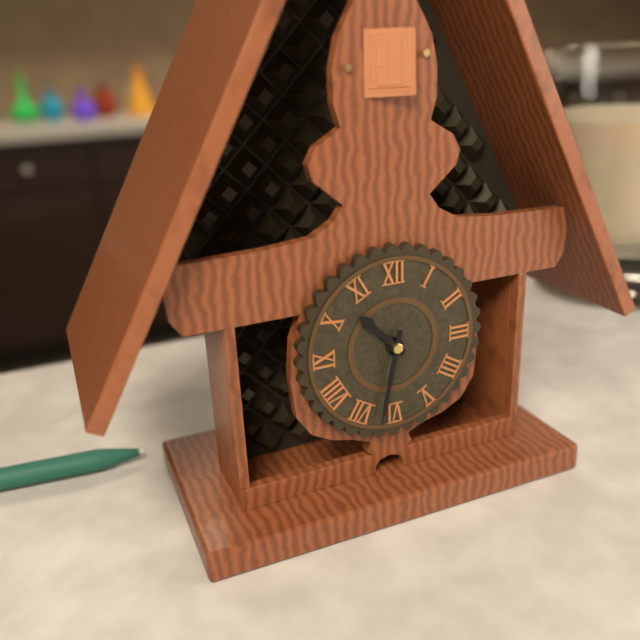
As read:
10.32
